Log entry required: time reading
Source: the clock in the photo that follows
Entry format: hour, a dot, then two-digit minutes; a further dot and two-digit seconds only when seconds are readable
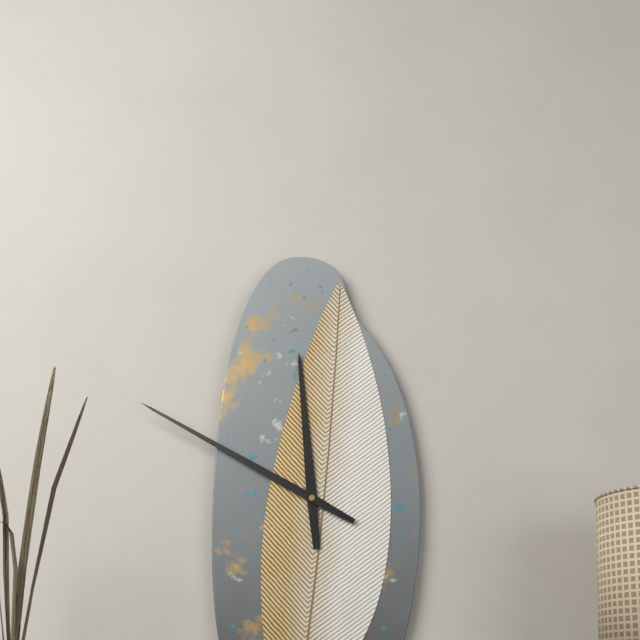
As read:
11.50
